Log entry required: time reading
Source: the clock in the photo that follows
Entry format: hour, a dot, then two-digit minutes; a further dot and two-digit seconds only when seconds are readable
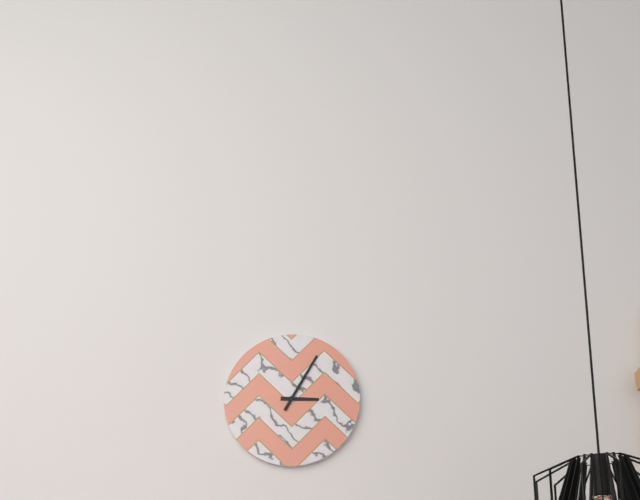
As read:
3.05
